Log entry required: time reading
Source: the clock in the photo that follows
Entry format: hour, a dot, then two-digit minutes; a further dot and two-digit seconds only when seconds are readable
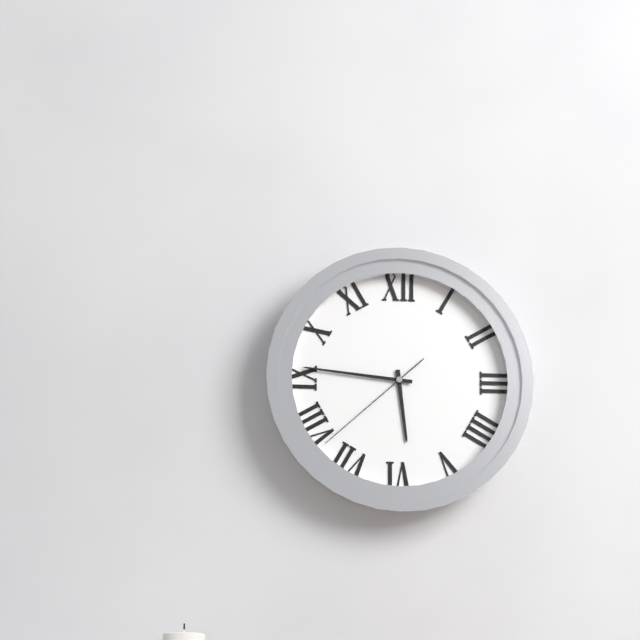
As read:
5.46.38
